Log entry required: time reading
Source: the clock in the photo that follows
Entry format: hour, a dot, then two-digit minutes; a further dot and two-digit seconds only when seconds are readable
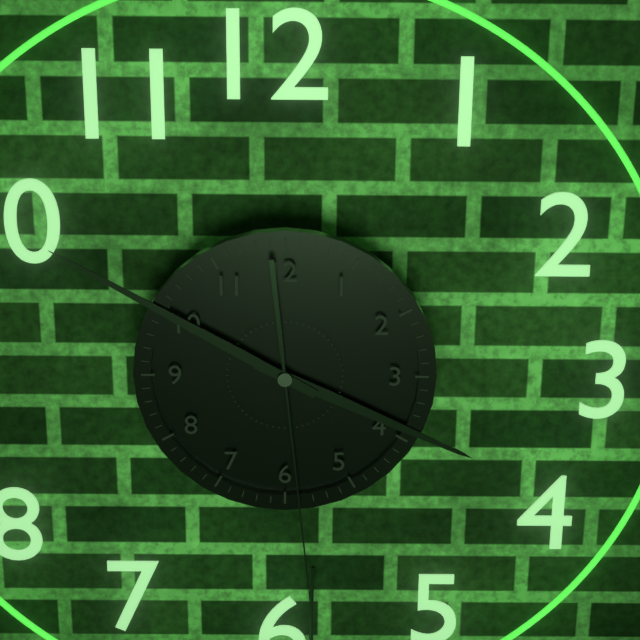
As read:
3.50.29
